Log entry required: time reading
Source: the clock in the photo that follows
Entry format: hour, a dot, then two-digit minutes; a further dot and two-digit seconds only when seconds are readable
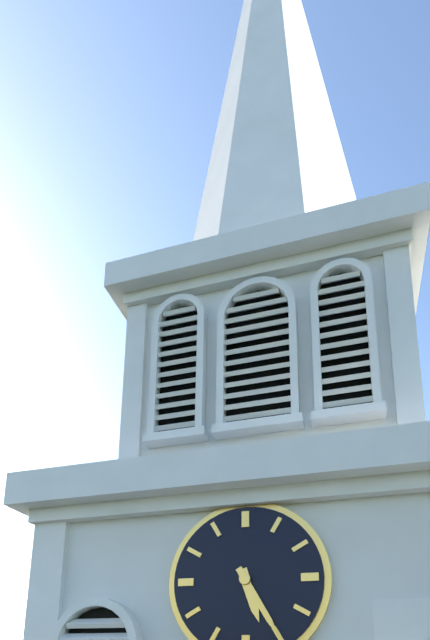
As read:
5.25
